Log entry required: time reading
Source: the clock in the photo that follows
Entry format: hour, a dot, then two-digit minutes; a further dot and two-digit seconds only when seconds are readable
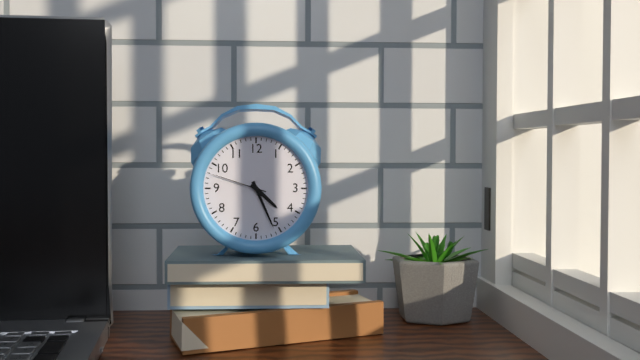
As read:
4.26.48
